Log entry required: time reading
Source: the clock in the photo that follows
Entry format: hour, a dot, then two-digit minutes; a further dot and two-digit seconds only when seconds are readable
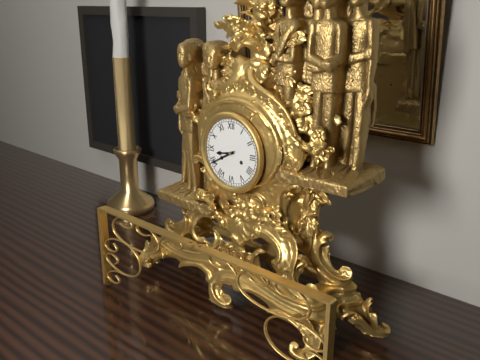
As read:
8.40
